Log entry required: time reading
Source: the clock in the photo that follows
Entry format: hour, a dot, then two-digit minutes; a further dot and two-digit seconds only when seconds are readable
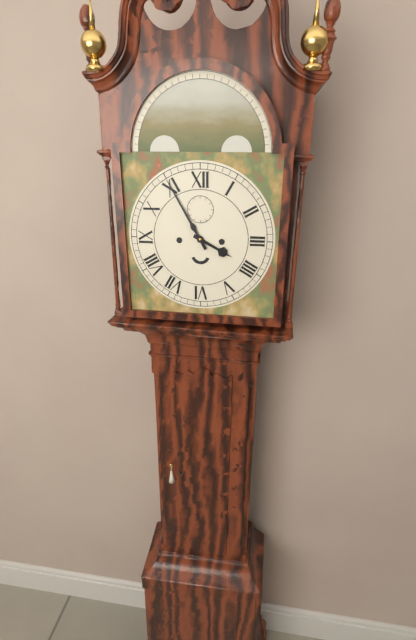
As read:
3.55
